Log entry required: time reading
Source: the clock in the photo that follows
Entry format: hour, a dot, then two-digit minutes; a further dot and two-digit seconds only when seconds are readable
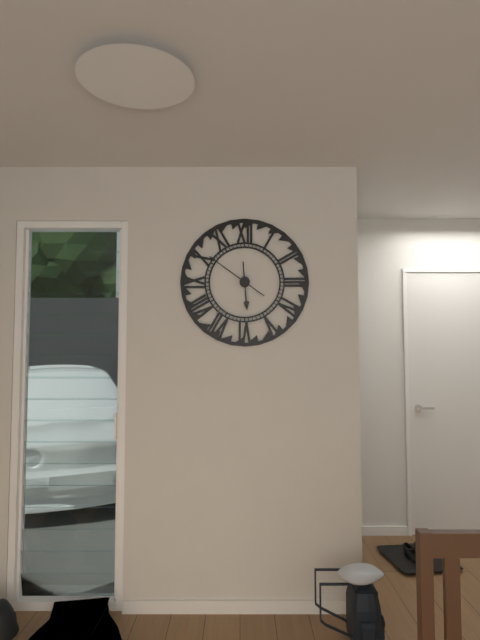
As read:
5.51
